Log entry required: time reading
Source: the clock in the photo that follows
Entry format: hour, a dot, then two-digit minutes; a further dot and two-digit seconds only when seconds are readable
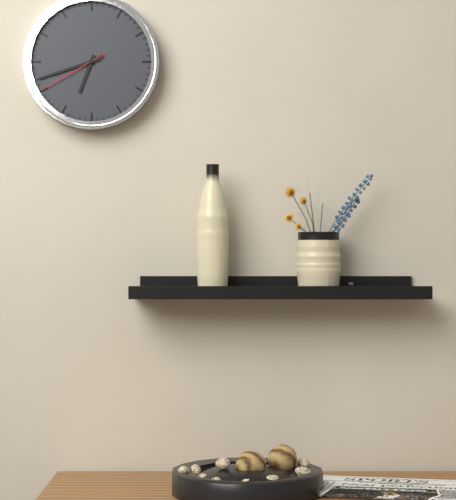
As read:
6.42.40
